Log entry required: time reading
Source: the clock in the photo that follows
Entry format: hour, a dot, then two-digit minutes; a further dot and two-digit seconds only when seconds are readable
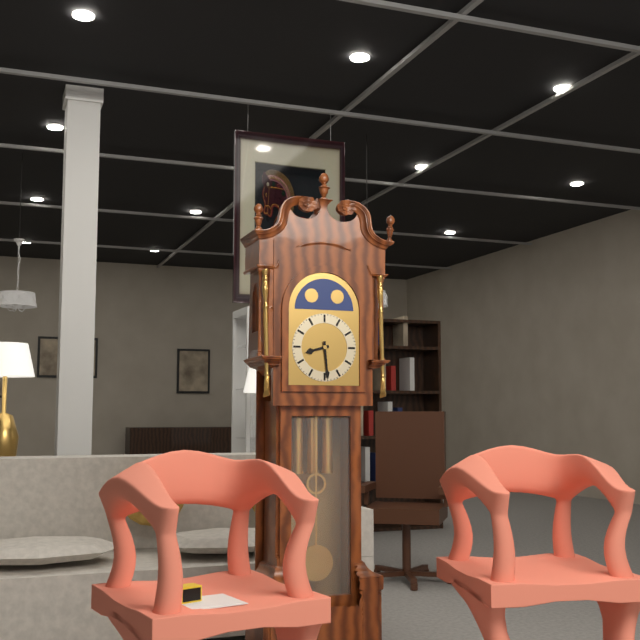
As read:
8.29
